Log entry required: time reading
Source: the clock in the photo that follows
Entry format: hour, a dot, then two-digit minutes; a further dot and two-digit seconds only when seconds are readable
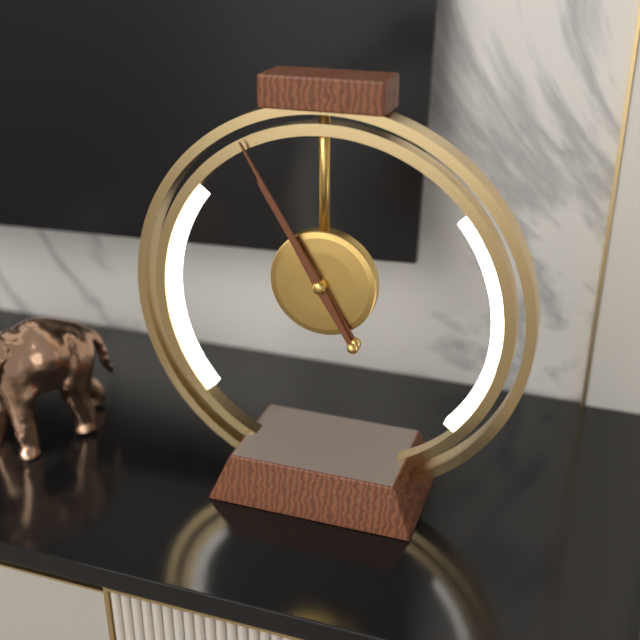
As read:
10.55
